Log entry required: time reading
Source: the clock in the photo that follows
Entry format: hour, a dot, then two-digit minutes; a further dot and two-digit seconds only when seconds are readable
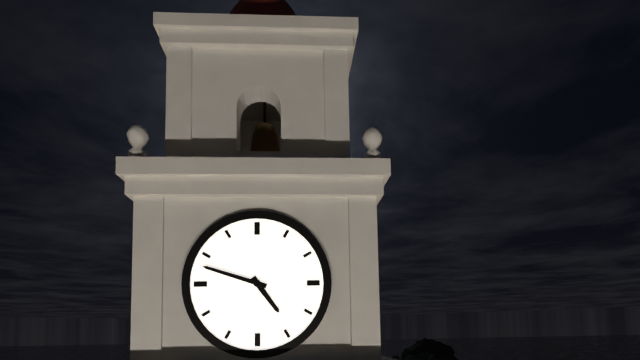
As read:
4.48
